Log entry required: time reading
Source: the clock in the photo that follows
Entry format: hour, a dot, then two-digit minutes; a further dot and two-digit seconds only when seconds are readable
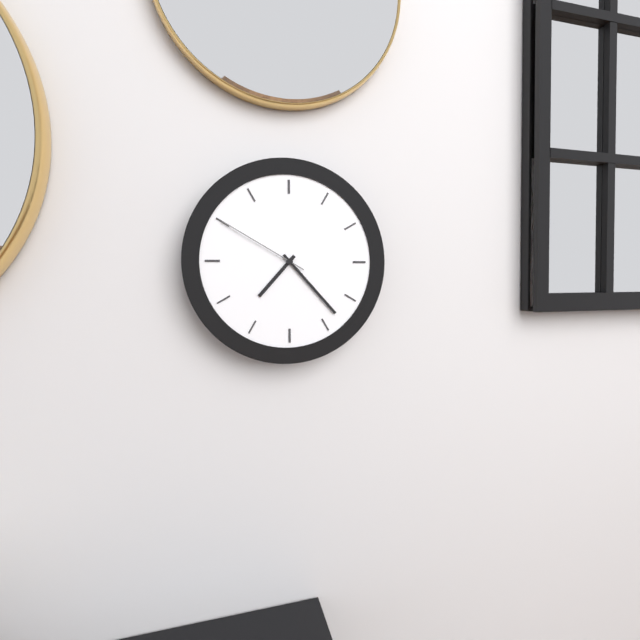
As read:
7.23.50
